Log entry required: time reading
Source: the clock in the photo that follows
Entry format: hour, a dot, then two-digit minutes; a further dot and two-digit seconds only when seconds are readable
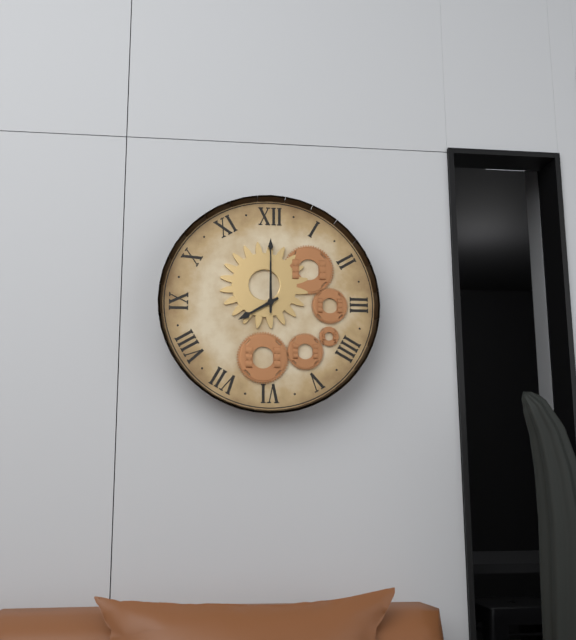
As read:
8.00
